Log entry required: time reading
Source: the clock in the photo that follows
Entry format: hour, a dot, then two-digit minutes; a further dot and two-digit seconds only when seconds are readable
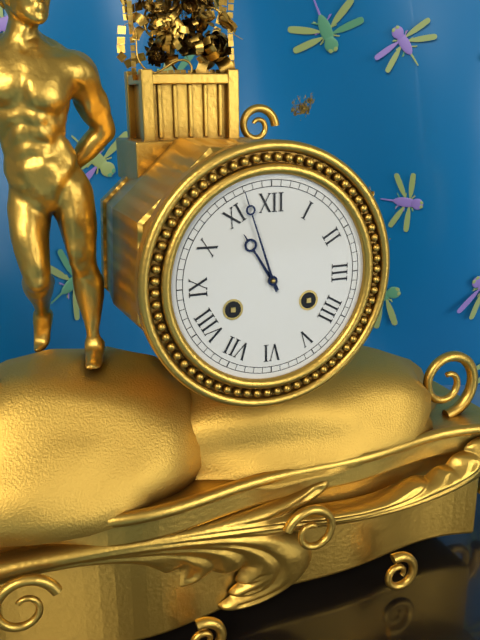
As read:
10.57
